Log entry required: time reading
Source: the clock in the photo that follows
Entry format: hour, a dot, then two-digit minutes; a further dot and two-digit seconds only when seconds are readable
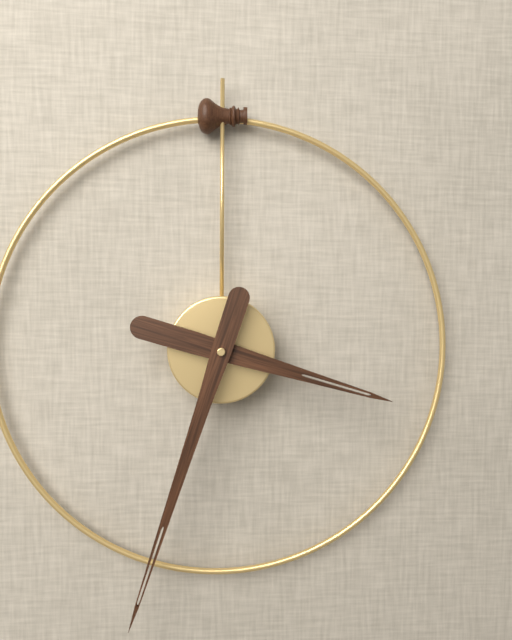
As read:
3.33
